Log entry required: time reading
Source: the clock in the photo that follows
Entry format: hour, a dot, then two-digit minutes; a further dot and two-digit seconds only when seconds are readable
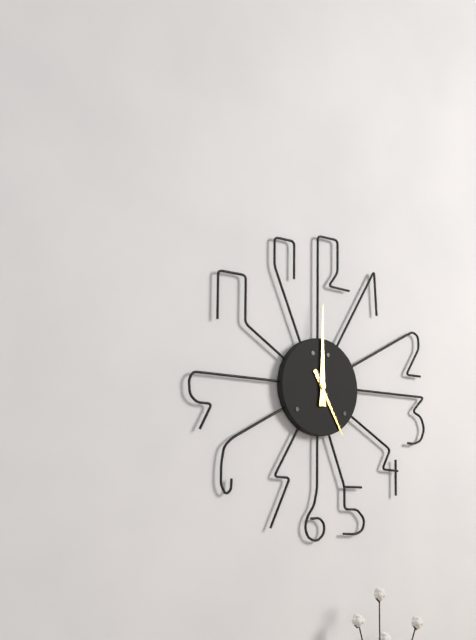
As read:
5.00
